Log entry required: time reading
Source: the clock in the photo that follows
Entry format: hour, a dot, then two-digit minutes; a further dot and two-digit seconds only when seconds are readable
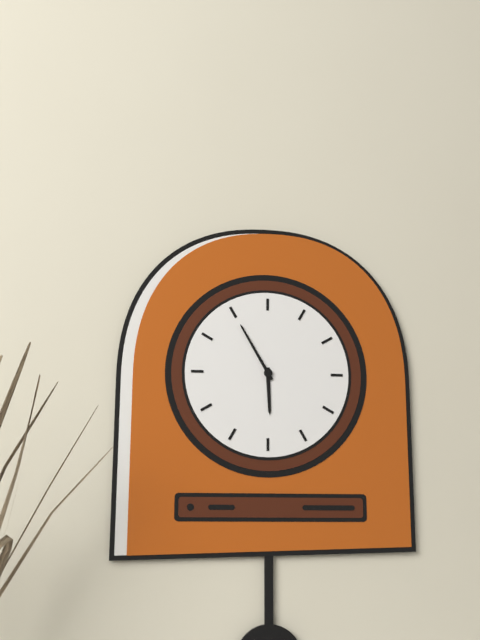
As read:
5.55
